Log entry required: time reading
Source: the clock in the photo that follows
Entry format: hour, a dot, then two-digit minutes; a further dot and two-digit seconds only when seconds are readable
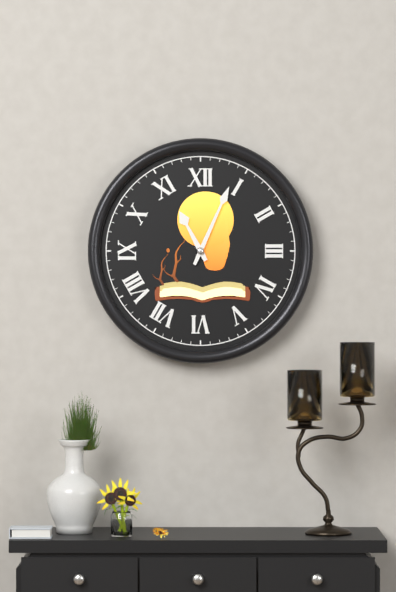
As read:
11.04
